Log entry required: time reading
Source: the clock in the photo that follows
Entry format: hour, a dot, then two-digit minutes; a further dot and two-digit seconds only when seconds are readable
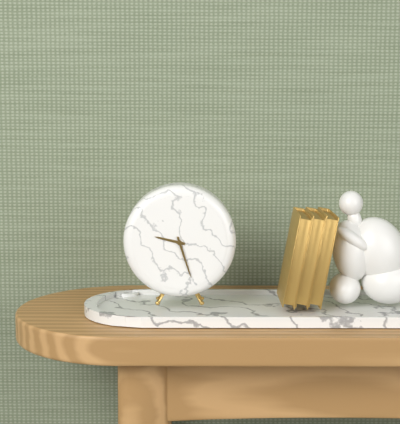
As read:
9.27
